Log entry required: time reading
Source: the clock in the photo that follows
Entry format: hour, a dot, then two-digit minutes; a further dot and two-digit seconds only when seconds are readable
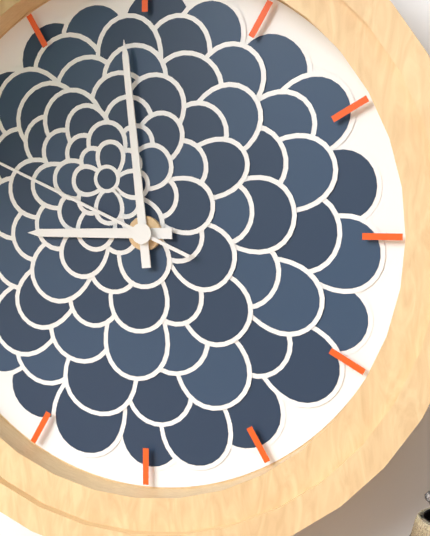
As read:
8.59
